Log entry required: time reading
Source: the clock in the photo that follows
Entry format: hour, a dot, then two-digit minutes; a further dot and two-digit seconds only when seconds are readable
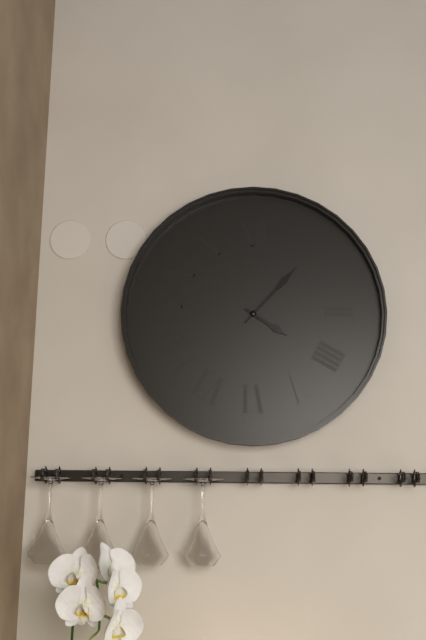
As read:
4.07
